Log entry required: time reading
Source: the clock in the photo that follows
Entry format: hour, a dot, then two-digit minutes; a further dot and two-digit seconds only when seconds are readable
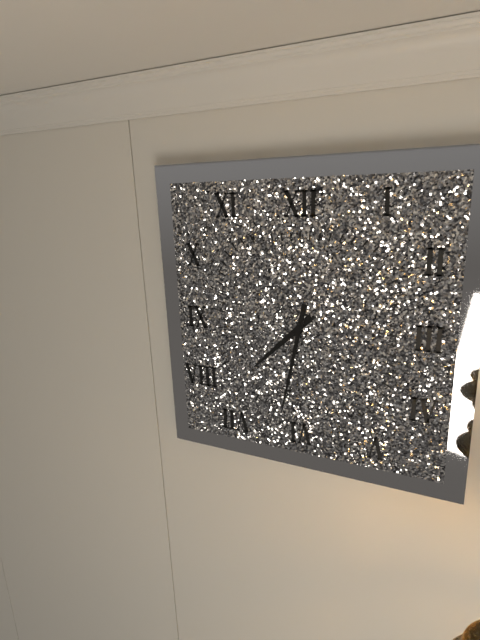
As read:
7.32
